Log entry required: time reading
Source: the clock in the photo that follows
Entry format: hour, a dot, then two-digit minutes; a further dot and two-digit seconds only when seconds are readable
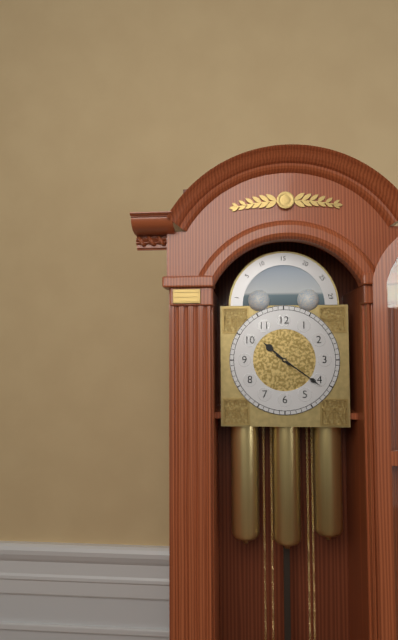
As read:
10.21
